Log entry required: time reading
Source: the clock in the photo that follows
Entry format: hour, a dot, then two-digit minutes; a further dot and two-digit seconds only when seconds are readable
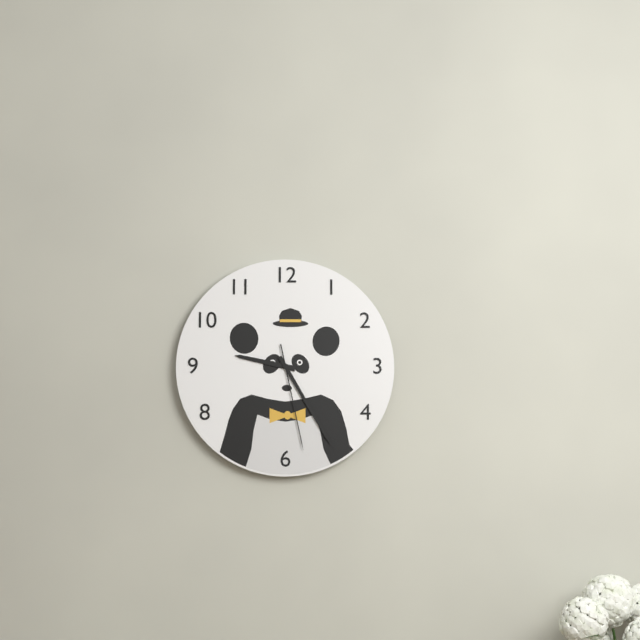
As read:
9.25.28
